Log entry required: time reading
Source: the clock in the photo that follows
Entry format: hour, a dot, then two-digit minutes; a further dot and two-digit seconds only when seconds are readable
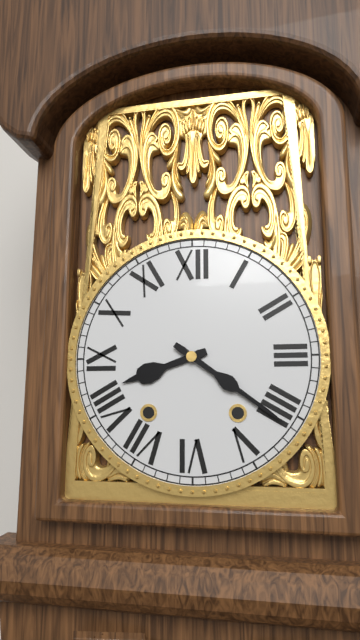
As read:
8.21
